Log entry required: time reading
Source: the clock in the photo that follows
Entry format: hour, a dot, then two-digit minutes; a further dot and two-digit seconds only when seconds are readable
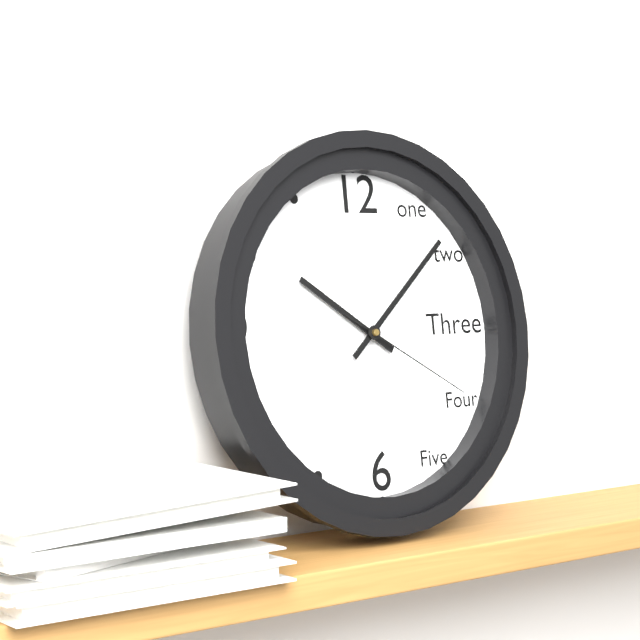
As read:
10.08.20
